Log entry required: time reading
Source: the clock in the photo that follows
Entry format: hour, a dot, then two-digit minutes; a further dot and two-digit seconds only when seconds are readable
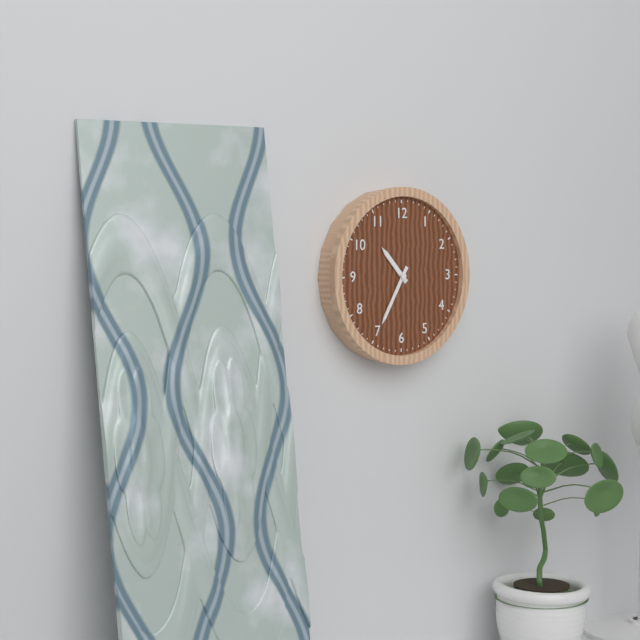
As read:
10.35
